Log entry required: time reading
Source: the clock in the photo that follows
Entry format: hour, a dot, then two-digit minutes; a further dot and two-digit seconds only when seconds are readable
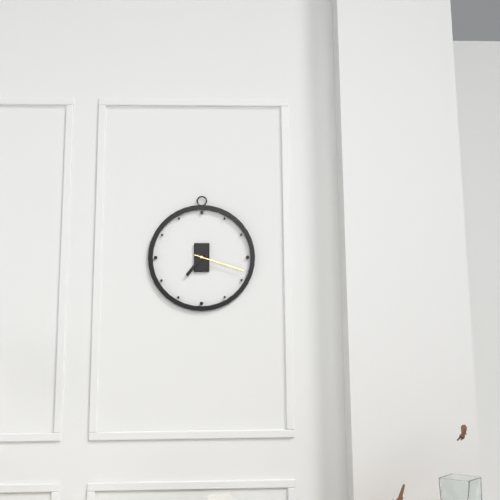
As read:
7.18
